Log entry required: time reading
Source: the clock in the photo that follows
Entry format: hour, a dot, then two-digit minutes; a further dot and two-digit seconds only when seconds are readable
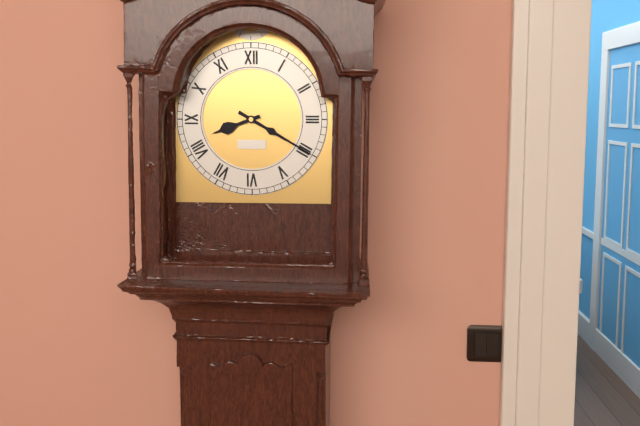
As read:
8.20
